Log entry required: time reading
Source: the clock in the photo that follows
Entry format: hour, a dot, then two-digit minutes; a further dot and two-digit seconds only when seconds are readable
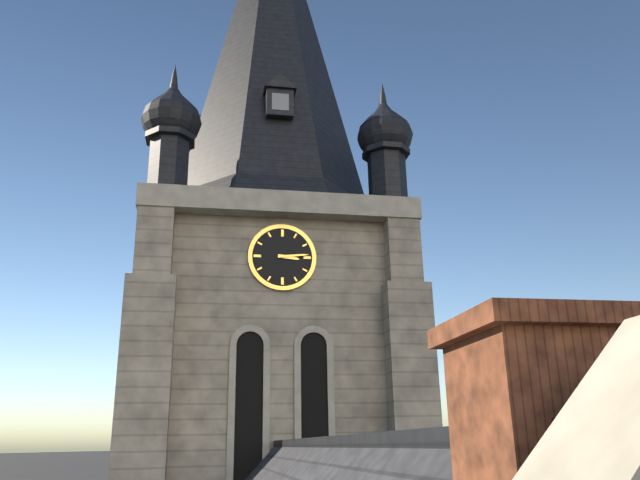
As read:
3.14
